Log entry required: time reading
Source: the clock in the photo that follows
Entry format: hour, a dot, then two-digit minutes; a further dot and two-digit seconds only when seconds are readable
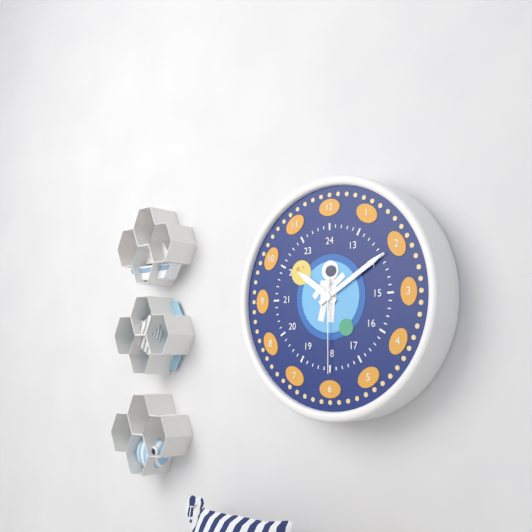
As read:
10.10.30
